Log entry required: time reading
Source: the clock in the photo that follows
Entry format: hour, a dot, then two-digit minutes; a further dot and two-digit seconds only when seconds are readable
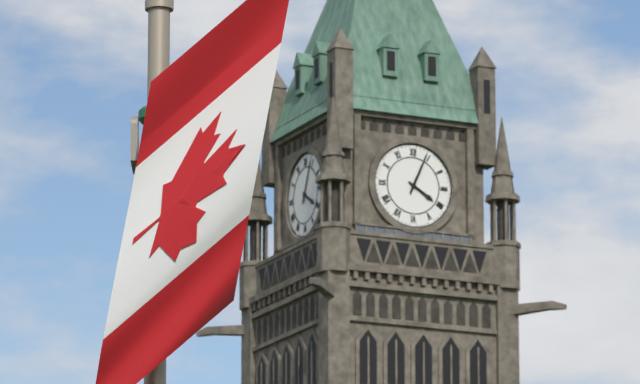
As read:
4.04
